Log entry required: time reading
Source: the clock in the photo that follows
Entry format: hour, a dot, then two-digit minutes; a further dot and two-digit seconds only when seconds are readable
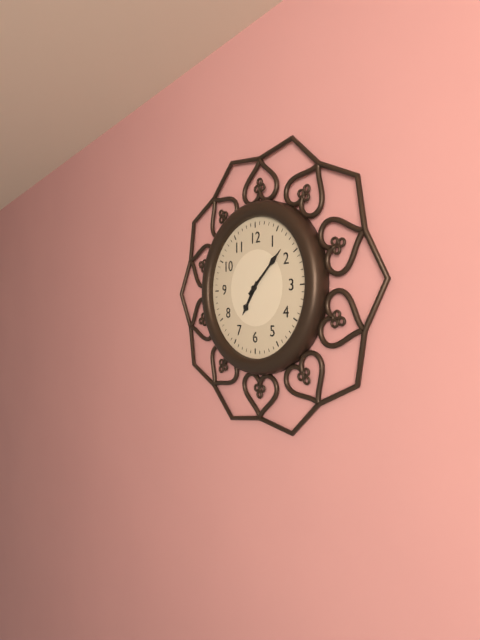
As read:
7.08
